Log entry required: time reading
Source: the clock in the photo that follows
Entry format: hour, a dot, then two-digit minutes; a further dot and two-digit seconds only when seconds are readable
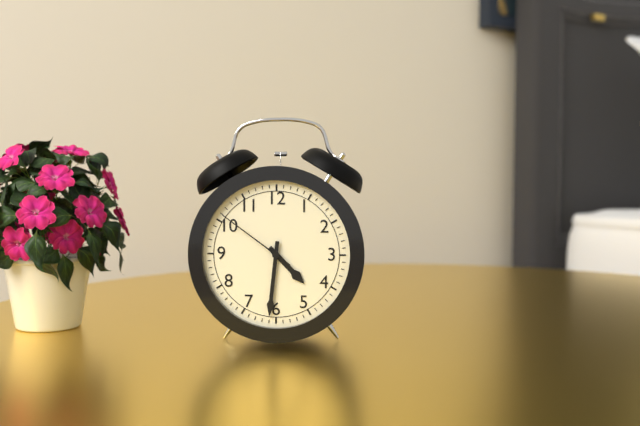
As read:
4.31.51
